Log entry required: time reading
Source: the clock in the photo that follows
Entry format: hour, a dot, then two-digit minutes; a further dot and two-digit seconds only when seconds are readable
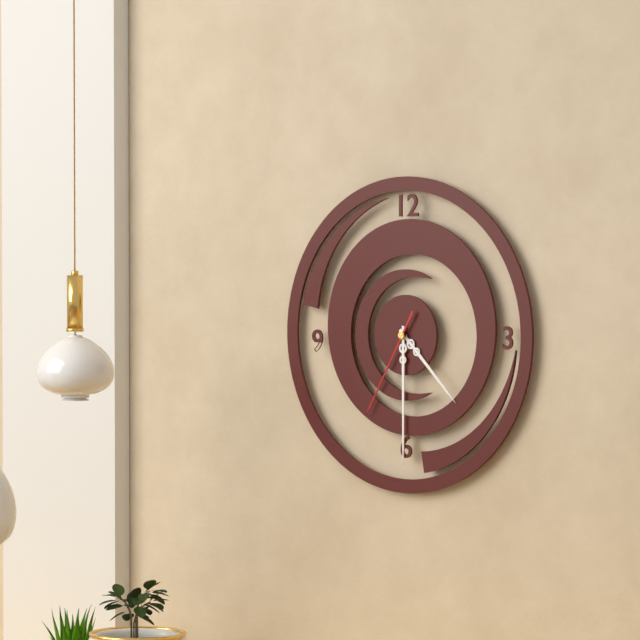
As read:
4.30.35
